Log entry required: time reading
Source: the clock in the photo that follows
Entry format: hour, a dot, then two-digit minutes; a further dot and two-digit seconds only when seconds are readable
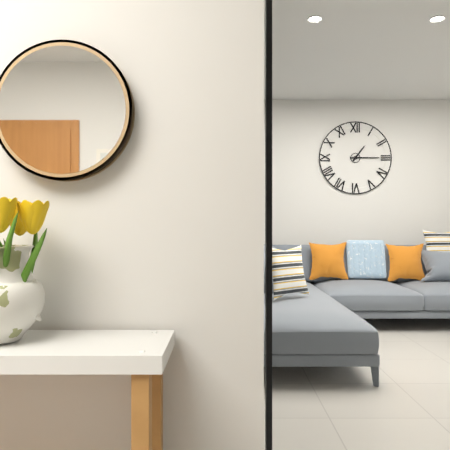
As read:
1.15
